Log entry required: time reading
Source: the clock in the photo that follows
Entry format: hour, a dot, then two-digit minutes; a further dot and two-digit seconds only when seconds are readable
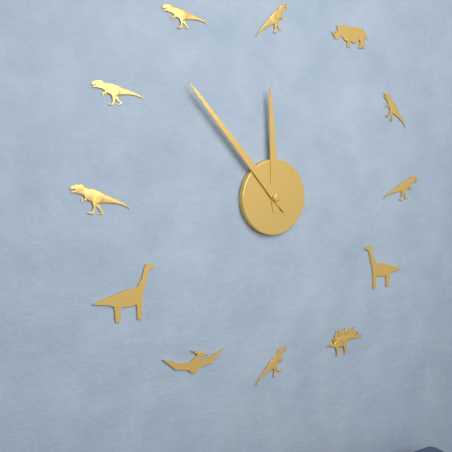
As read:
11.53
